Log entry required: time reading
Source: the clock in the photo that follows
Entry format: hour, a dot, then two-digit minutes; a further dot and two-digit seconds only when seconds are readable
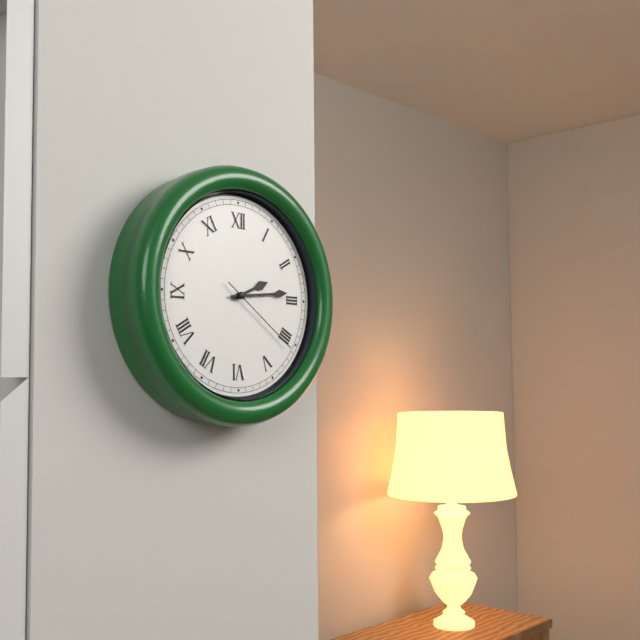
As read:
2.14.21
